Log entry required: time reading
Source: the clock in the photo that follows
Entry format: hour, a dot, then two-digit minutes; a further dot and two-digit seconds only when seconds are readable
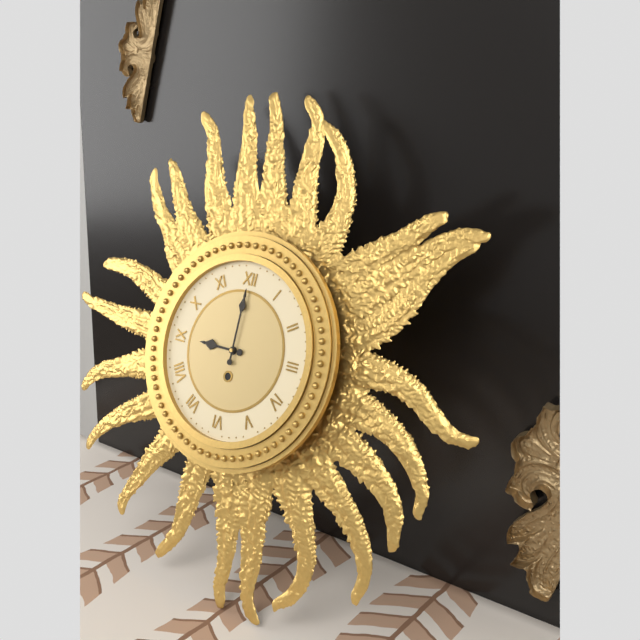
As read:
9.00
